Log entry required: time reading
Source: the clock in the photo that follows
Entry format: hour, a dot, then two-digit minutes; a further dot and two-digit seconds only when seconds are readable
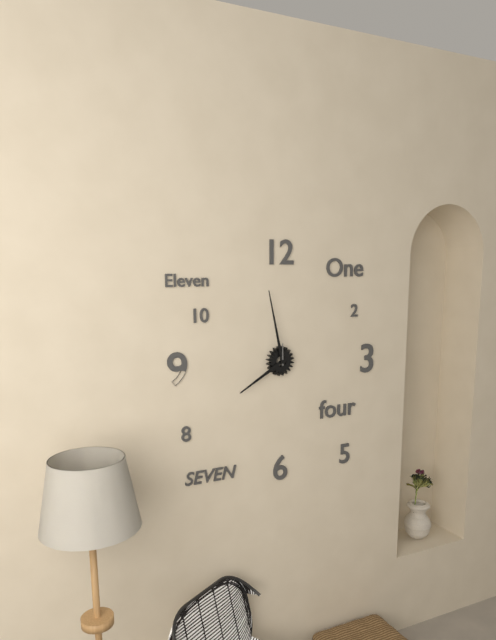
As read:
7.58
